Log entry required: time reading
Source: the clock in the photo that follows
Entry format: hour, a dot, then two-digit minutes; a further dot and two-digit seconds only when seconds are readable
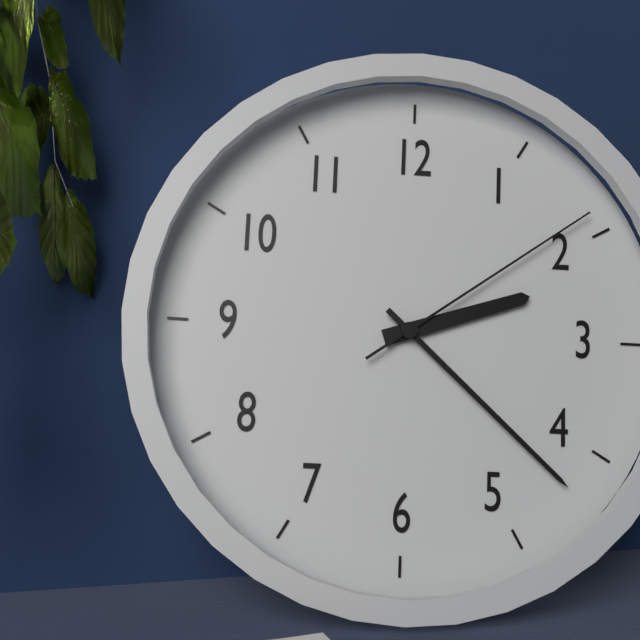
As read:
2.22.09
